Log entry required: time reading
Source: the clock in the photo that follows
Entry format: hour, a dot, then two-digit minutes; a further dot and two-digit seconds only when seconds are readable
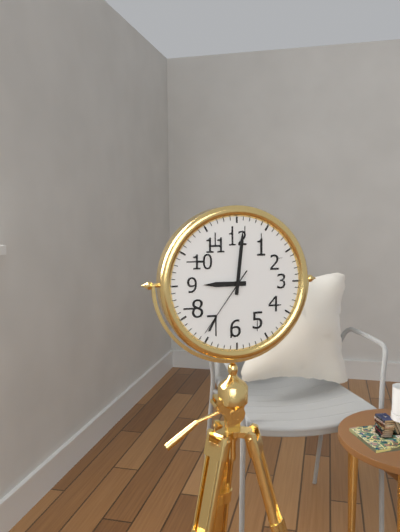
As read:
9.01.36
